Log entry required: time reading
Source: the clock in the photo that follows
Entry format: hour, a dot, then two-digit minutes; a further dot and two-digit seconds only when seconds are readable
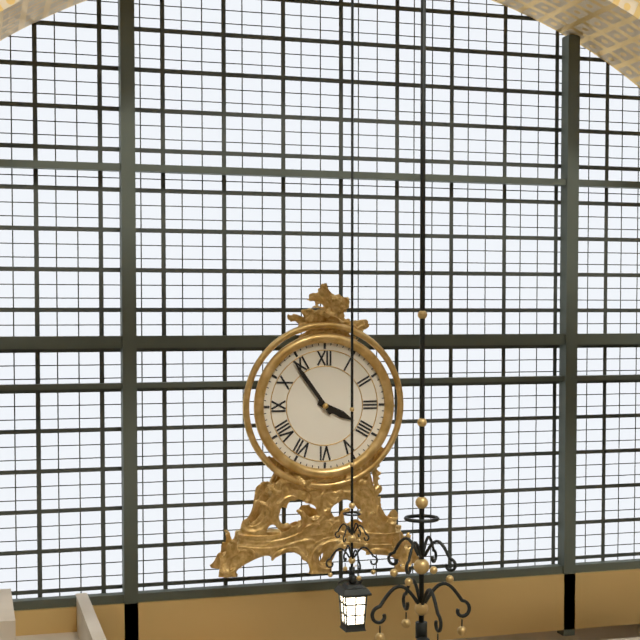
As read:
3.54
